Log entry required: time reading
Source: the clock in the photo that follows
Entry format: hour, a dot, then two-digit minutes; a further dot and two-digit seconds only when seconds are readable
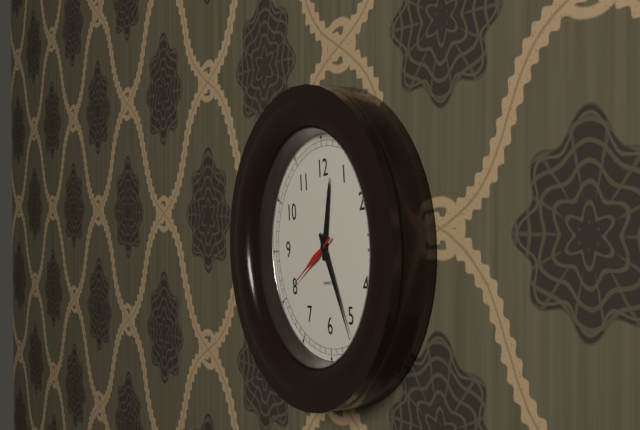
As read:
12.26.40
